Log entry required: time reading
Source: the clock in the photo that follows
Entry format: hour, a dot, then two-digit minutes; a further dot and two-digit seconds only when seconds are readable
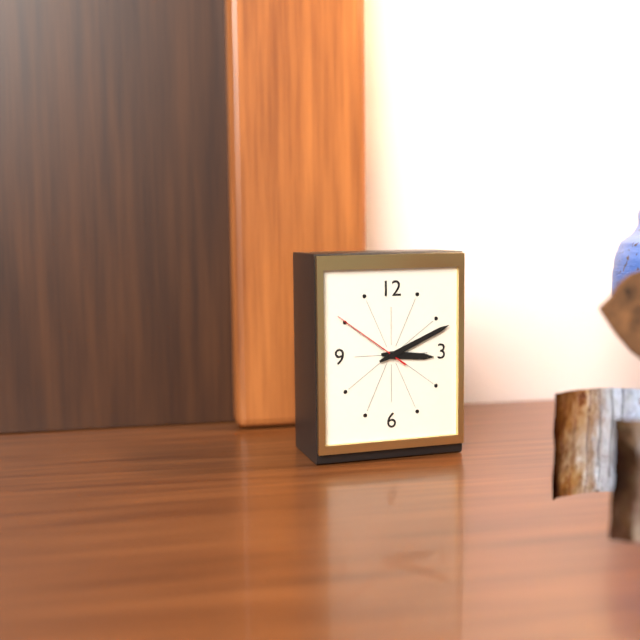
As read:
3.11.51
